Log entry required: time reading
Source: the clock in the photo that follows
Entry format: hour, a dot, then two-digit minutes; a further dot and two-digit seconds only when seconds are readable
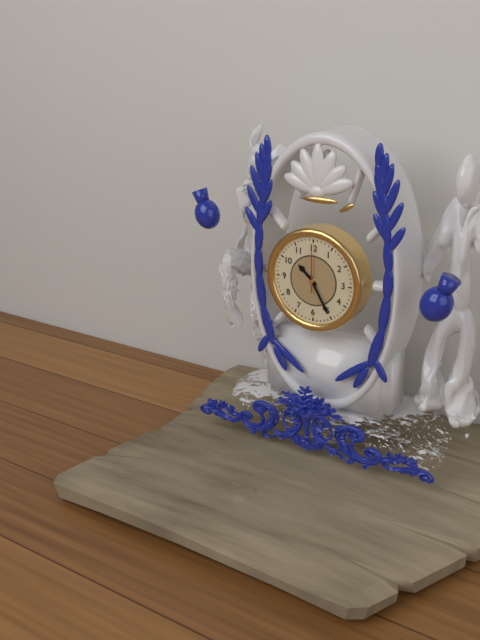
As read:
10.25
